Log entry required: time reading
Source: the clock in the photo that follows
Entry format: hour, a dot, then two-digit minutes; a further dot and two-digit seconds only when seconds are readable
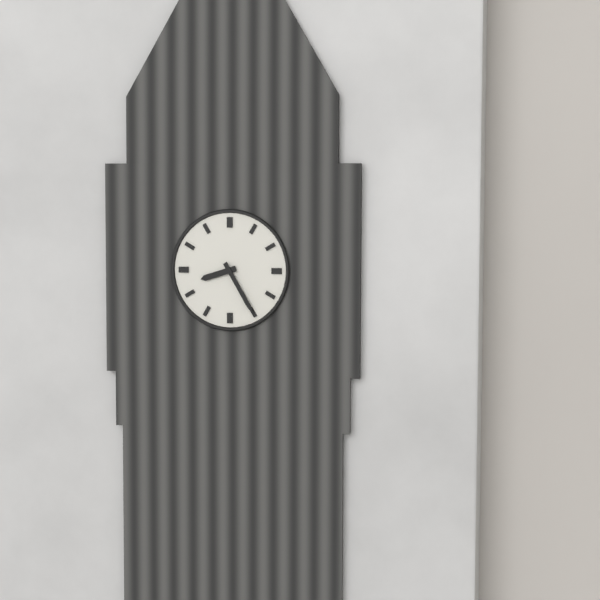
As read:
8.25
